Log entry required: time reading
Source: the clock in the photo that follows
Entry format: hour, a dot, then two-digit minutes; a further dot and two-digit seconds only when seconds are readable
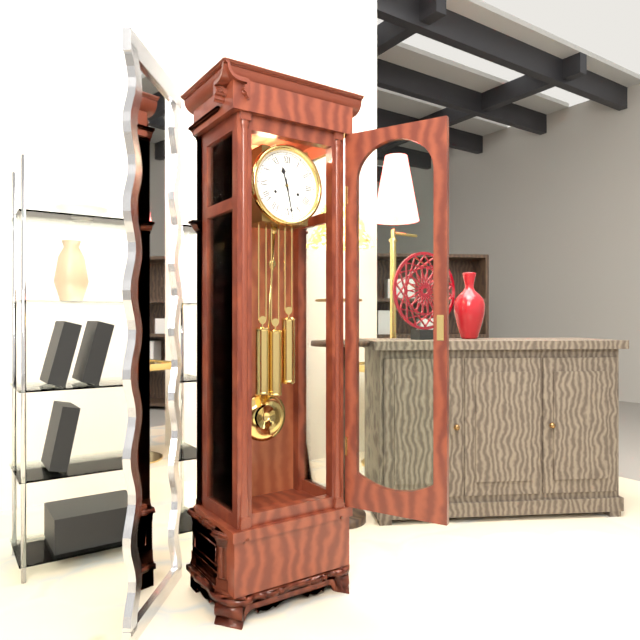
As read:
11.28
